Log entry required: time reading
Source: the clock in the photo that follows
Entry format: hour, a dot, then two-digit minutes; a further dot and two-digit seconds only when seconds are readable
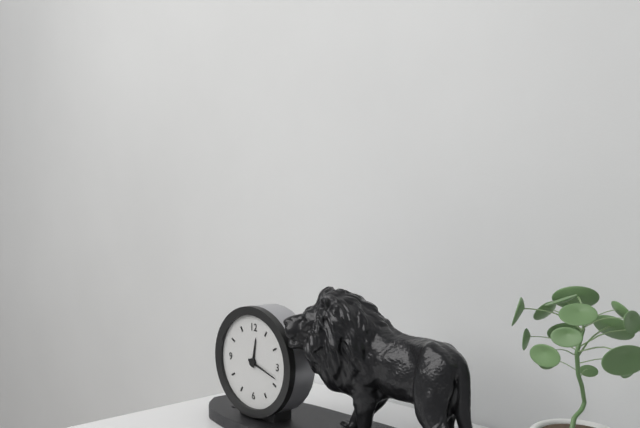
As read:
12.18
